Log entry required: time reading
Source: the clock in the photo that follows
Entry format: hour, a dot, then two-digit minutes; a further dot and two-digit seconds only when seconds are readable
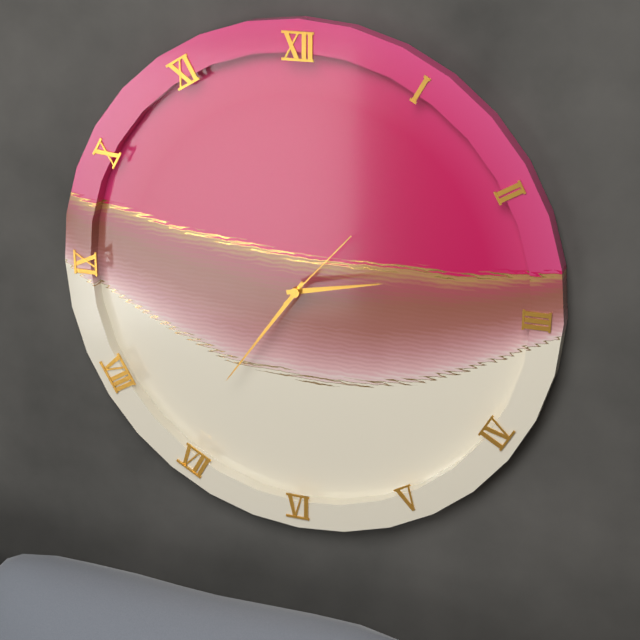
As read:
2.36.07
